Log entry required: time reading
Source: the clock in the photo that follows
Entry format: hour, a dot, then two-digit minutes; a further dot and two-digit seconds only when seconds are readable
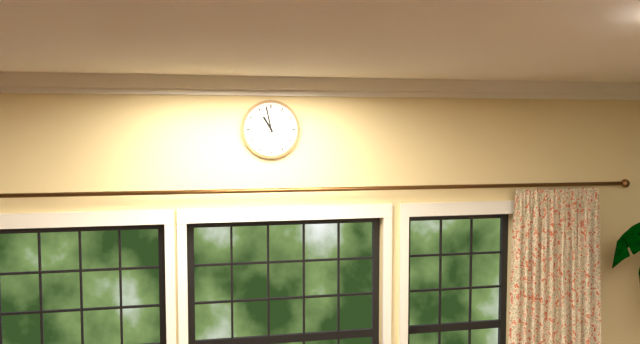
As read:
10.58
